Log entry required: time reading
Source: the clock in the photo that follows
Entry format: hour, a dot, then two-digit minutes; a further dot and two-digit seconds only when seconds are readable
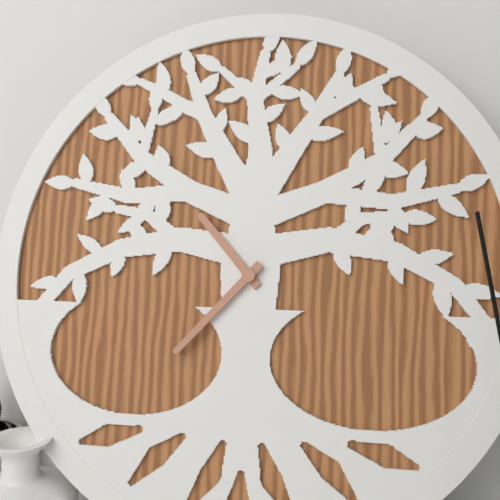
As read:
10.37
